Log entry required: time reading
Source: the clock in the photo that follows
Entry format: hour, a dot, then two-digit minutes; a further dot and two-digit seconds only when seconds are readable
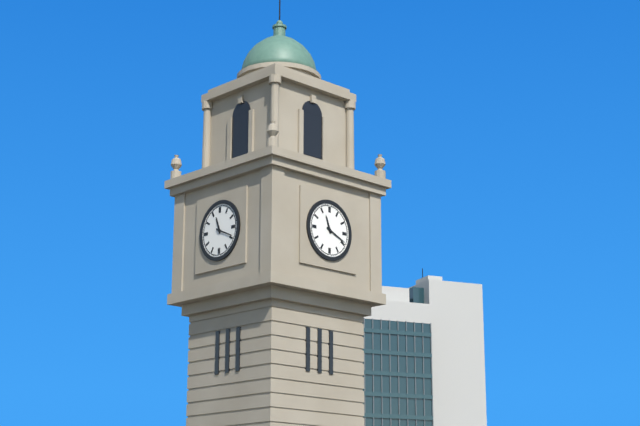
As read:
11.19
